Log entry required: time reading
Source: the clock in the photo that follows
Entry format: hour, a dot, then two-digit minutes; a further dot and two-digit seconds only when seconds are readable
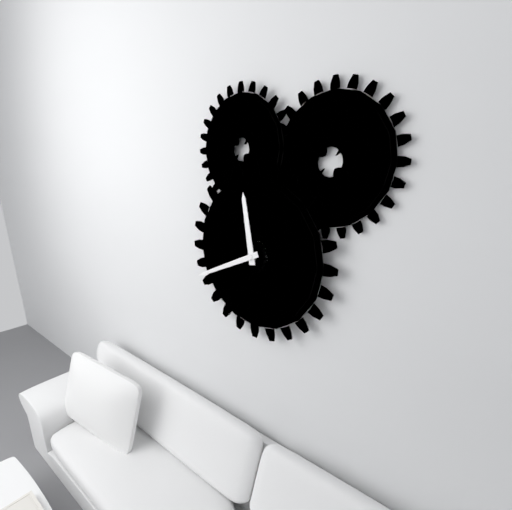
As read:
11.41
